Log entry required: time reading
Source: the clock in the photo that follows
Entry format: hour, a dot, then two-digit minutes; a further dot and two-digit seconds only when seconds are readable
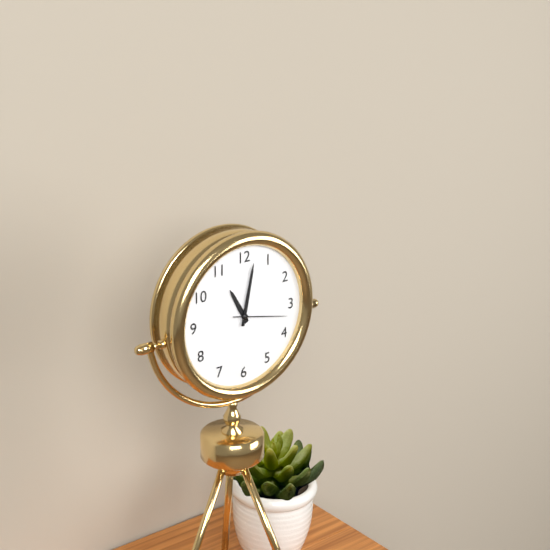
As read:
11.02.17
